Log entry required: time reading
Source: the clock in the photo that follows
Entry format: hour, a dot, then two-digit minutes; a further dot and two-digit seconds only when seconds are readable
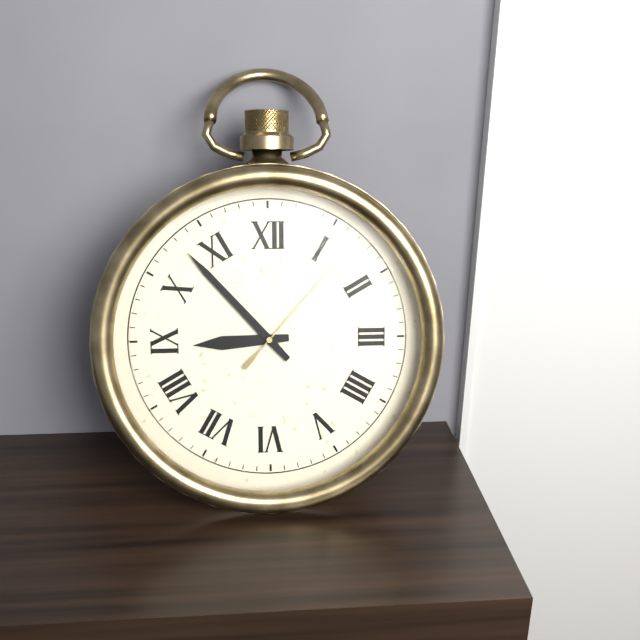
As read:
8.53.07
